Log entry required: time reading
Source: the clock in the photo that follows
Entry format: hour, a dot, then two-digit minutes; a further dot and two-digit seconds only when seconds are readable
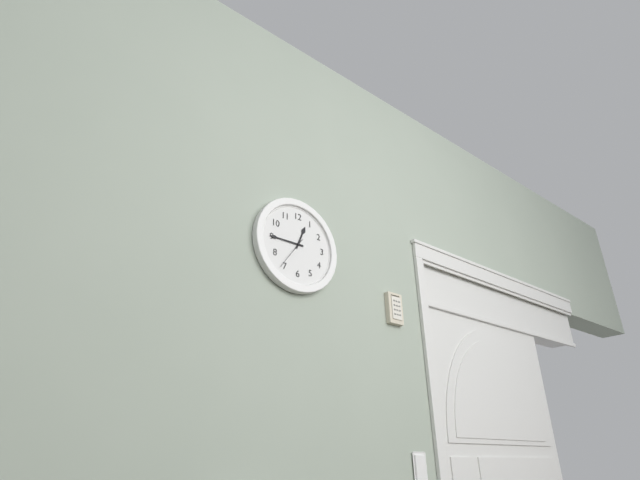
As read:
12.45
